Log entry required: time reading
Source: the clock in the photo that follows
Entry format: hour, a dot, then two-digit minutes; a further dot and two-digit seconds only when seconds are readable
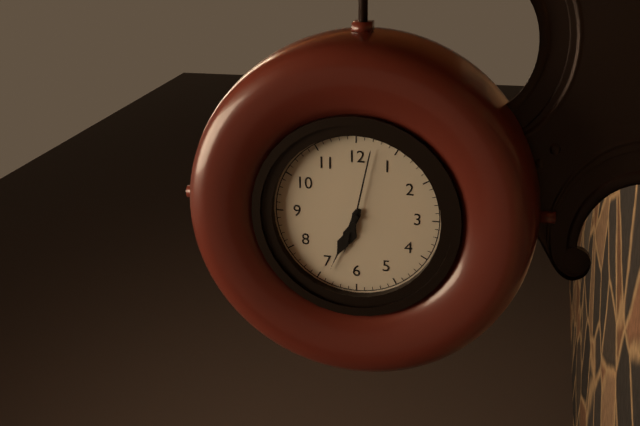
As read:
6.34.02
